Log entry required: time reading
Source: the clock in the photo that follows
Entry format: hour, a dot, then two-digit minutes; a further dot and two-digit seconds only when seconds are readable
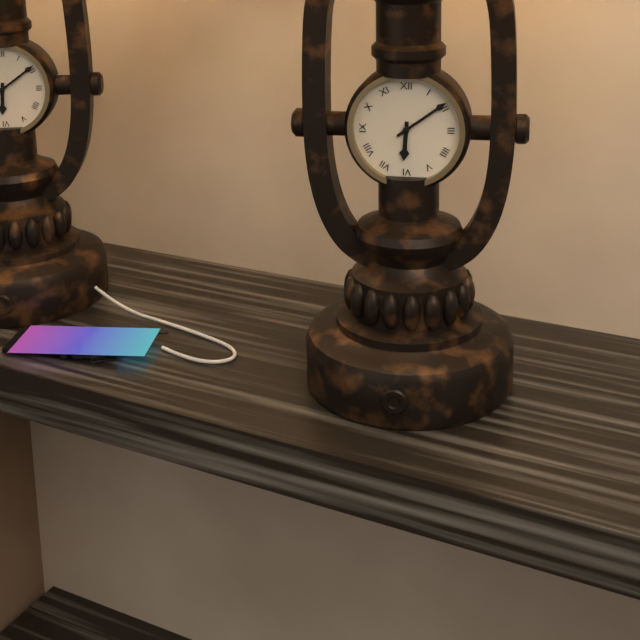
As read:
6.09
